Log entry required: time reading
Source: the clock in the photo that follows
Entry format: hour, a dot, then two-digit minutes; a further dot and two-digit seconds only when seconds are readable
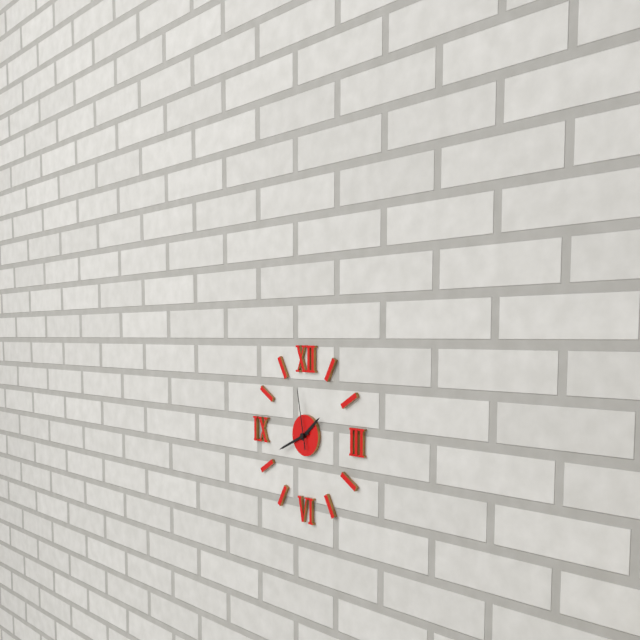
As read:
1.41.58
